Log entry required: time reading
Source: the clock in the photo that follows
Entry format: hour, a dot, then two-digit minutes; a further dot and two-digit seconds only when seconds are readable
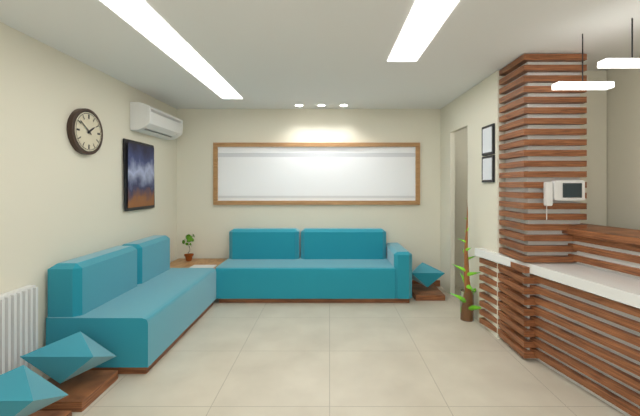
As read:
1.51
